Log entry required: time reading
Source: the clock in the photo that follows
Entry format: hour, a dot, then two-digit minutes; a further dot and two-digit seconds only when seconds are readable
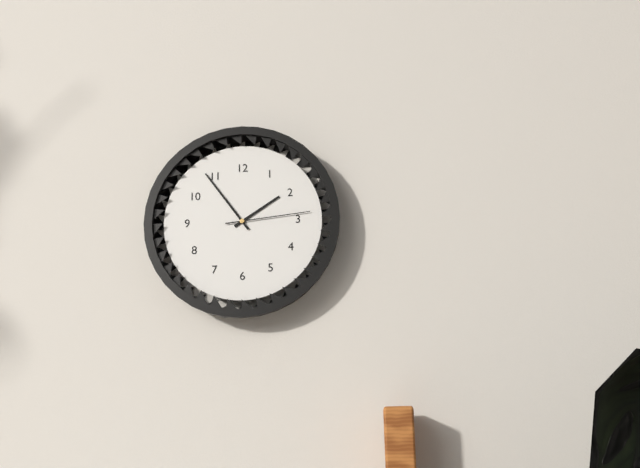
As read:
1.54.14
